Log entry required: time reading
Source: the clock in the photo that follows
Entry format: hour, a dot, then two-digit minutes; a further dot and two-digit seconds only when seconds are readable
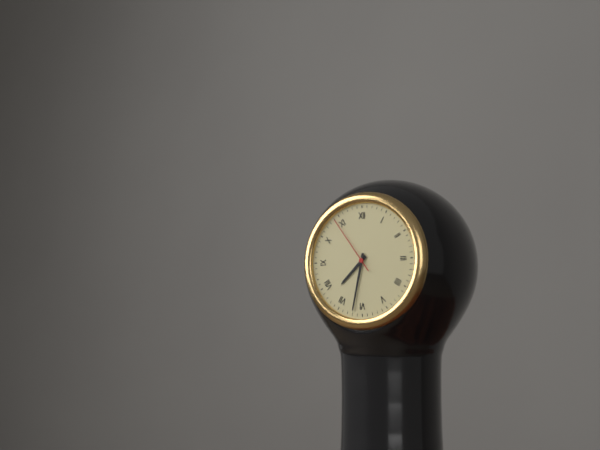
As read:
7.32.54
